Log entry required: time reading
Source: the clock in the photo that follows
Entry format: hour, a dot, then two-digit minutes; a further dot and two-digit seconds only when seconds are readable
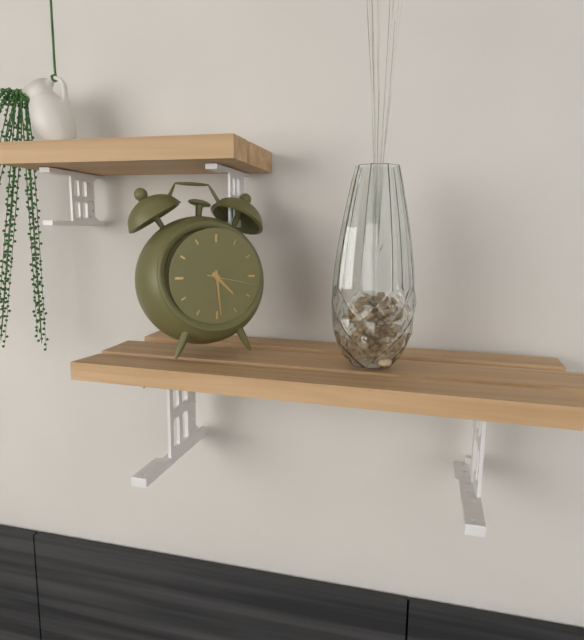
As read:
4.29
